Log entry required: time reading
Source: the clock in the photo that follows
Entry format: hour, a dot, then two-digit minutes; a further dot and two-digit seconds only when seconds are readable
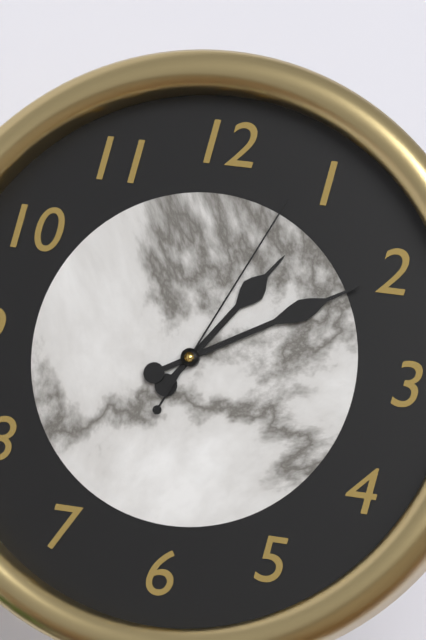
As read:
1.10.04
